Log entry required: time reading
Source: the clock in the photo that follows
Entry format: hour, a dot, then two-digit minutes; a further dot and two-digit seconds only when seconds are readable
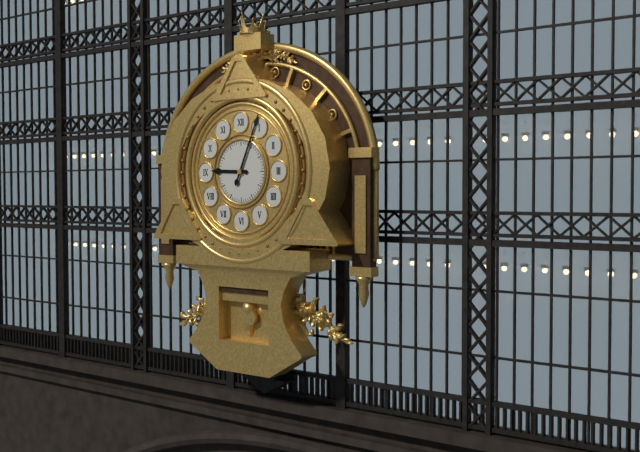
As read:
9.04
